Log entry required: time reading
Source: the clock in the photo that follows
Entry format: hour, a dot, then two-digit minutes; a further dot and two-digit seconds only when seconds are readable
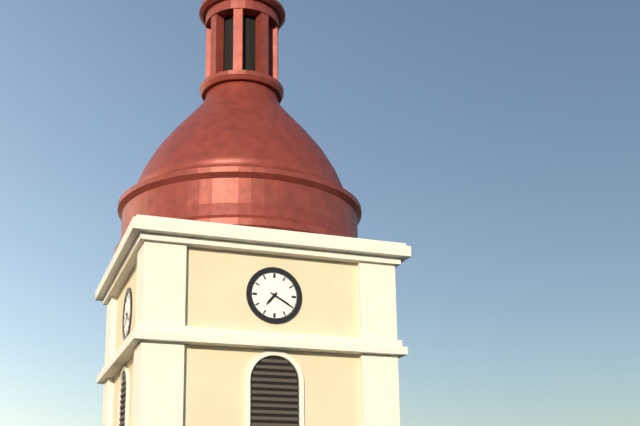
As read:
7.20
